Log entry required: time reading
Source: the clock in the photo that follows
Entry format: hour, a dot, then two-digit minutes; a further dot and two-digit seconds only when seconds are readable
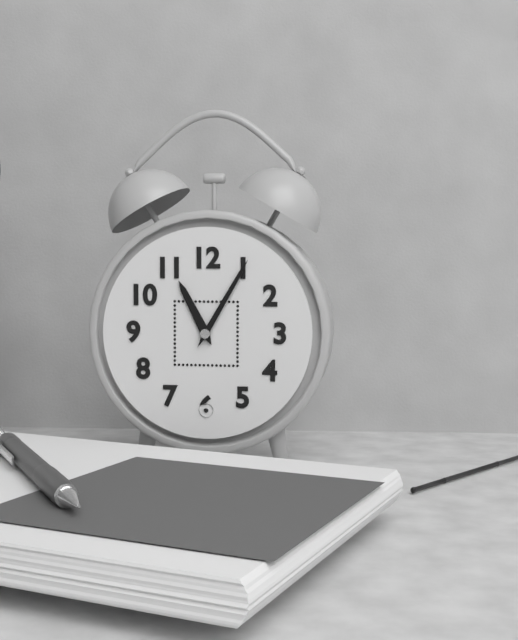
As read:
11.05
